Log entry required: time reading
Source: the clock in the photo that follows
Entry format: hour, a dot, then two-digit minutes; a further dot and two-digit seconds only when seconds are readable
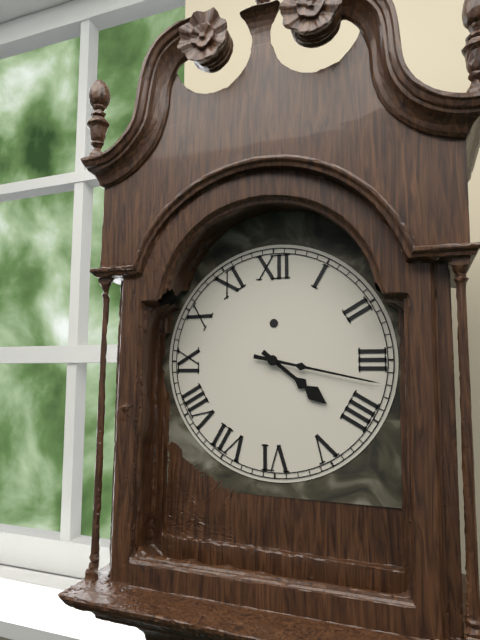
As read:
4.17
